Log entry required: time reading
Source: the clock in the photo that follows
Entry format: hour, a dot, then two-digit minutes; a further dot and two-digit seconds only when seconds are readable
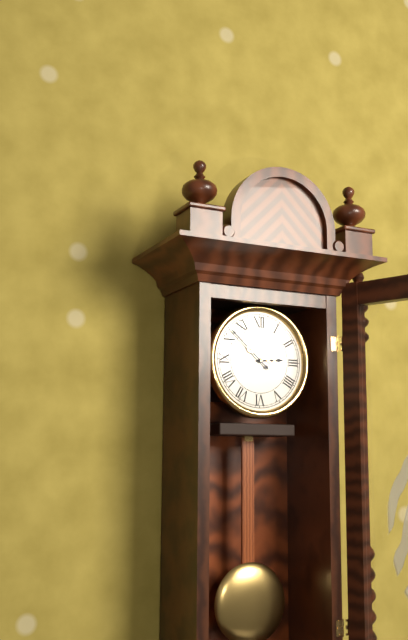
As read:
2.52
